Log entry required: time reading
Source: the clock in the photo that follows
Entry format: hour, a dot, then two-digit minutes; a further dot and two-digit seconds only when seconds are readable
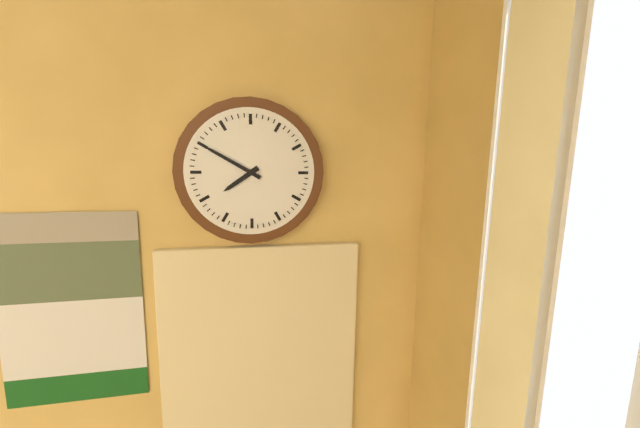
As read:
7.50
